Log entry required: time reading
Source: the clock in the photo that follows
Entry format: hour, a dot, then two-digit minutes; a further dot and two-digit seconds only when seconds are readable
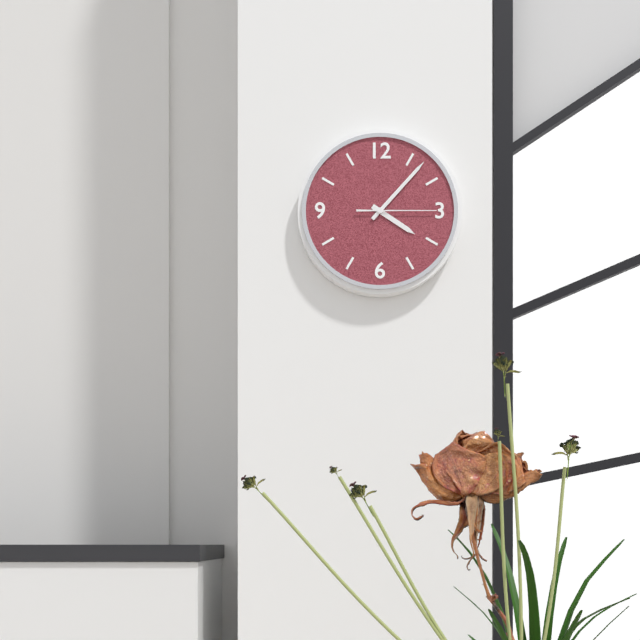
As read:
4.07.15
